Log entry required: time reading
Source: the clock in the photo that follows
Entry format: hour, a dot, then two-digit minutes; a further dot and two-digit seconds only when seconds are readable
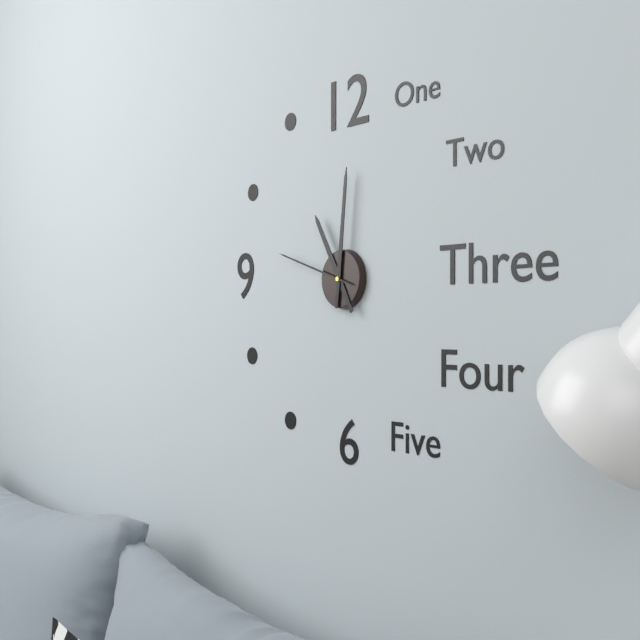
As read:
11.01.48
